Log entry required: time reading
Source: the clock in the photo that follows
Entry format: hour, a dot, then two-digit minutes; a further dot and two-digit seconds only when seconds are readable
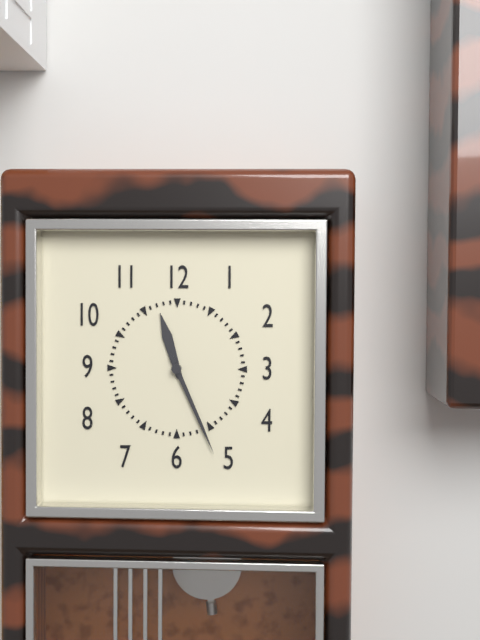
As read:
11.26
